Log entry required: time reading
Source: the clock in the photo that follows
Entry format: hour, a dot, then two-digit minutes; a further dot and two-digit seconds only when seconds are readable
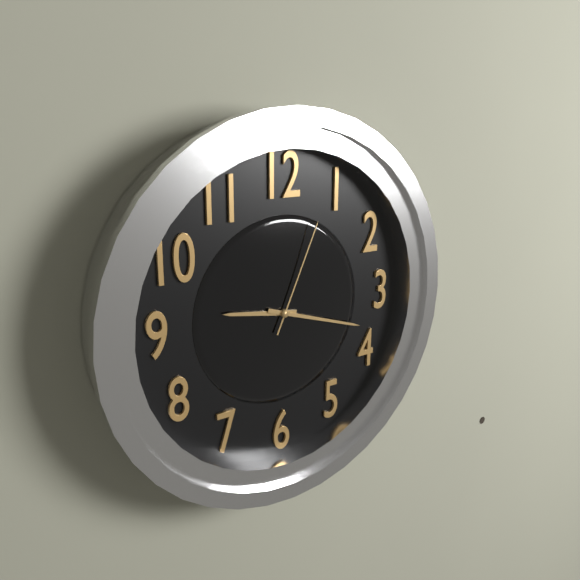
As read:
9.18.04
